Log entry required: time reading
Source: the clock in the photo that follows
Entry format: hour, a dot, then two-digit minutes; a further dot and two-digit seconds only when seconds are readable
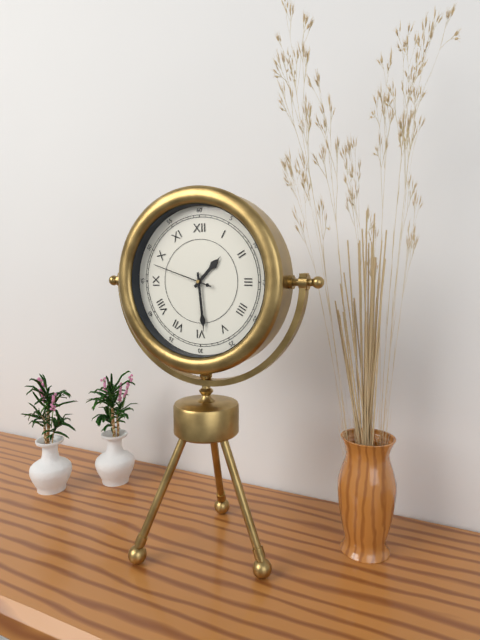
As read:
1.29.48
